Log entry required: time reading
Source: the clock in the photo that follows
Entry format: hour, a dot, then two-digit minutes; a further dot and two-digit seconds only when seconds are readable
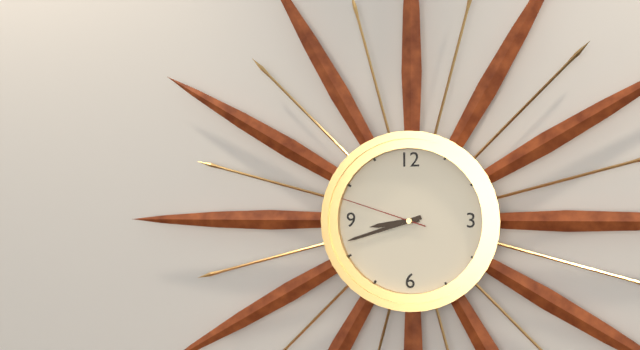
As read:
8.42.48
